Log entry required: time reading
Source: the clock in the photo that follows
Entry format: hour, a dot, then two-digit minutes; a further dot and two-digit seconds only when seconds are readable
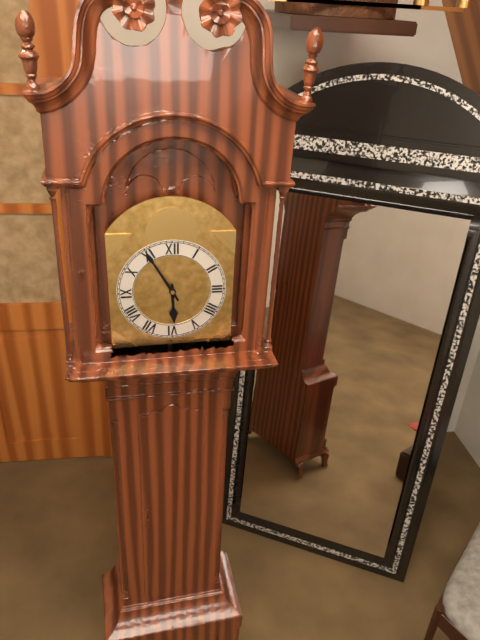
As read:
5.55
